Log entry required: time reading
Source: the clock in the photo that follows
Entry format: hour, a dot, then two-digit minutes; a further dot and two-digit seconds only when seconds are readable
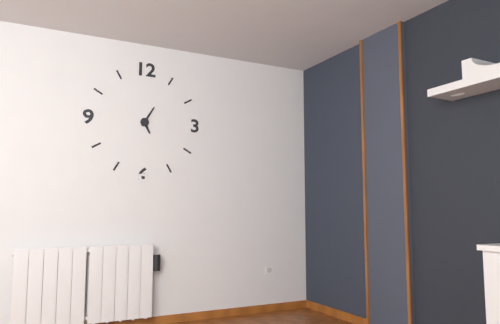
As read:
5.05
